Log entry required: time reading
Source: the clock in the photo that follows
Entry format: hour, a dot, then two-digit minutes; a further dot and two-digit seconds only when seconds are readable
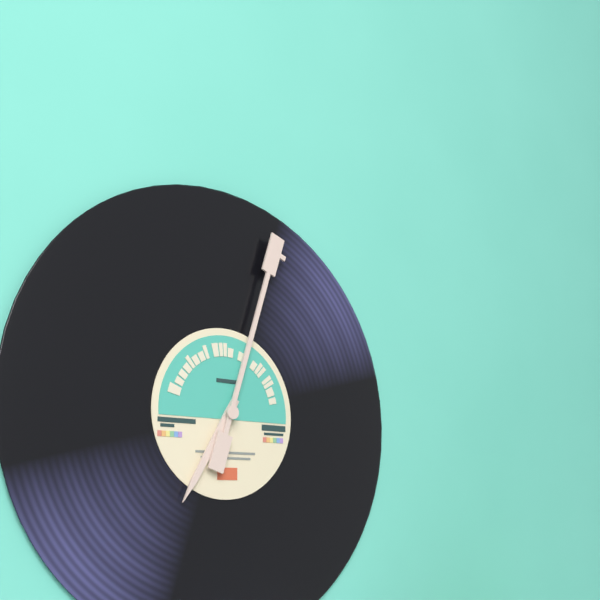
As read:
7.03
